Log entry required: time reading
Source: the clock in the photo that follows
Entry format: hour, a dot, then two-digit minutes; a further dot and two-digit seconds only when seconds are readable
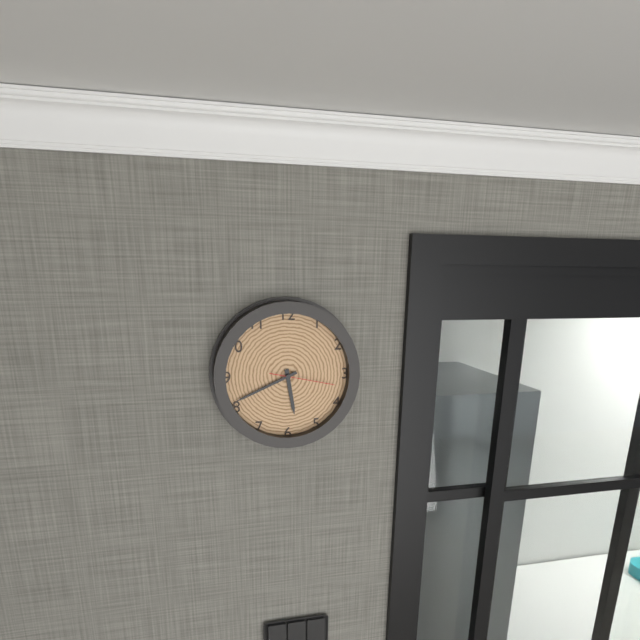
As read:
5.41.17
